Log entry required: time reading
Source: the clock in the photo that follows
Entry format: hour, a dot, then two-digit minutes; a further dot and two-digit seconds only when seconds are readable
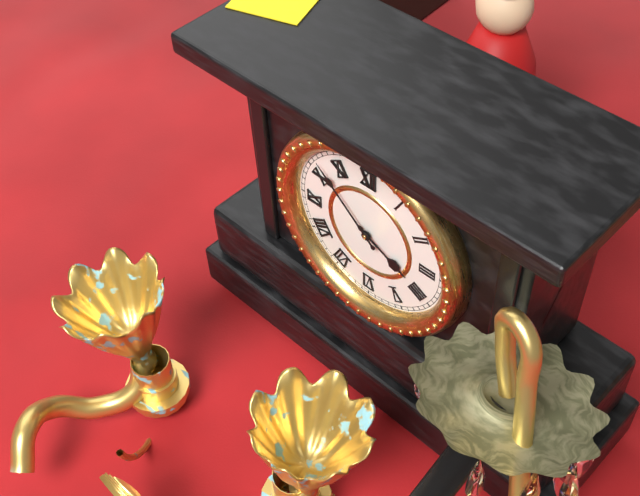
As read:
3.52
